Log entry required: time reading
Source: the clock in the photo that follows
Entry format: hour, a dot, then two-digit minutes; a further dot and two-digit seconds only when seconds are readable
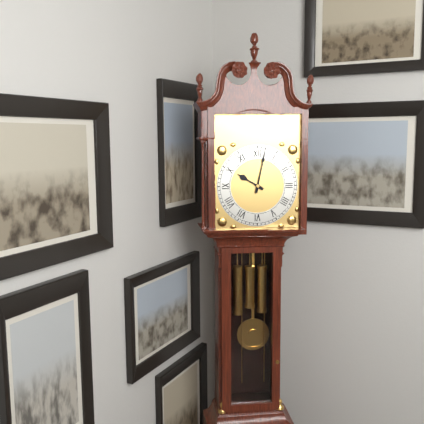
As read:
10.02
